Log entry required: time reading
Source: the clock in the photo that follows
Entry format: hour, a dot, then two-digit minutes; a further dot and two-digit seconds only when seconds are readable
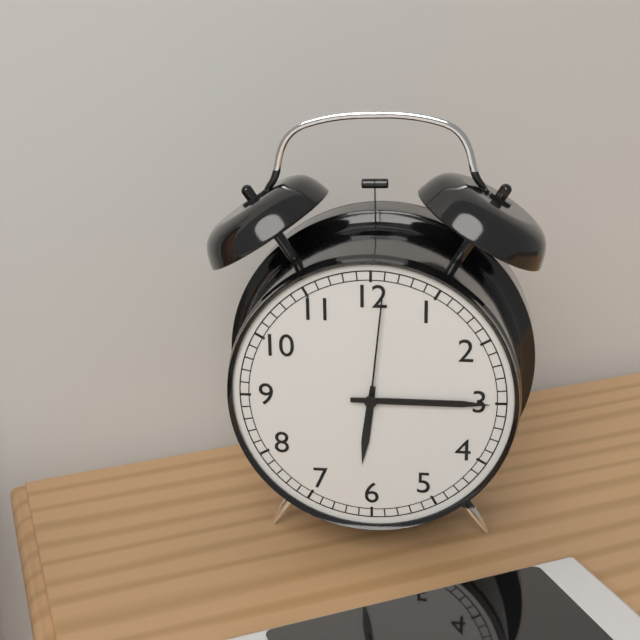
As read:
6.15.01
